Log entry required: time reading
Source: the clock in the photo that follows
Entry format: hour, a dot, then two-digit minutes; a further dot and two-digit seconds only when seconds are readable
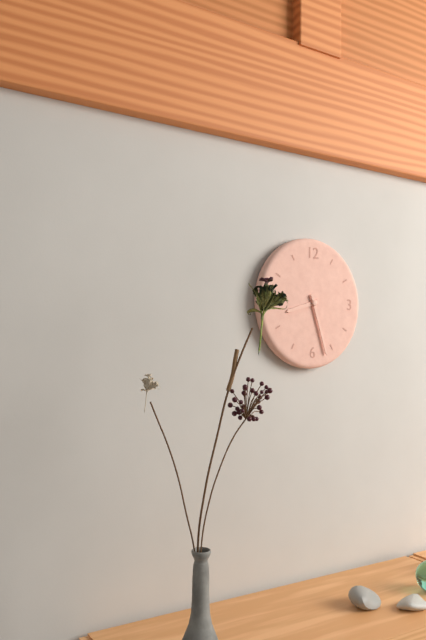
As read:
8.27
